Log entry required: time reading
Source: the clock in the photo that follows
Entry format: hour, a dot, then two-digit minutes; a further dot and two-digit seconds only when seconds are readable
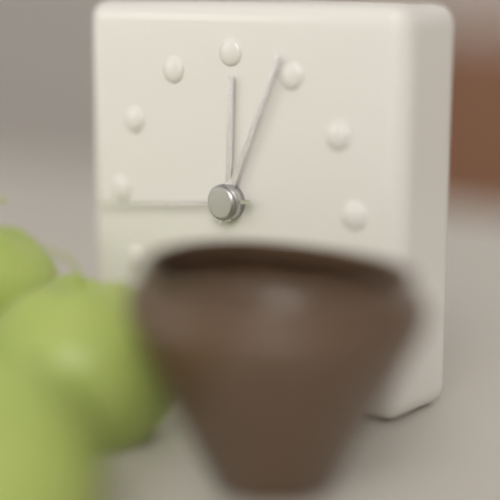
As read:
12.04.44
